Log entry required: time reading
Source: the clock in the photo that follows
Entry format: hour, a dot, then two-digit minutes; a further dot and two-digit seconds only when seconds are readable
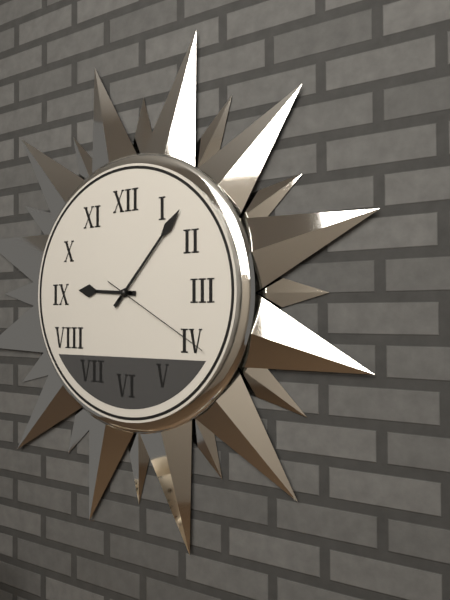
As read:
9.07.20
